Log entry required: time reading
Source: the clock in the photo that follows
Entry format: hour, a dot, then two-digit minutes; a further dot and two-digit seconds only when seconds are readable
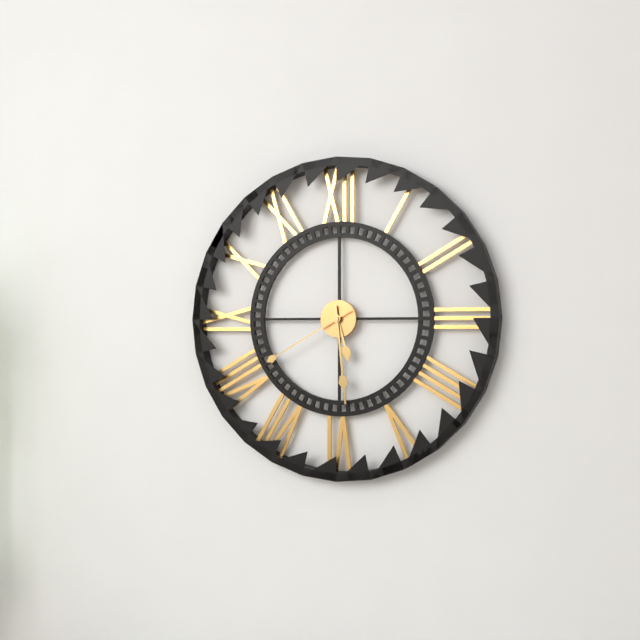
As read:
5.29.40
